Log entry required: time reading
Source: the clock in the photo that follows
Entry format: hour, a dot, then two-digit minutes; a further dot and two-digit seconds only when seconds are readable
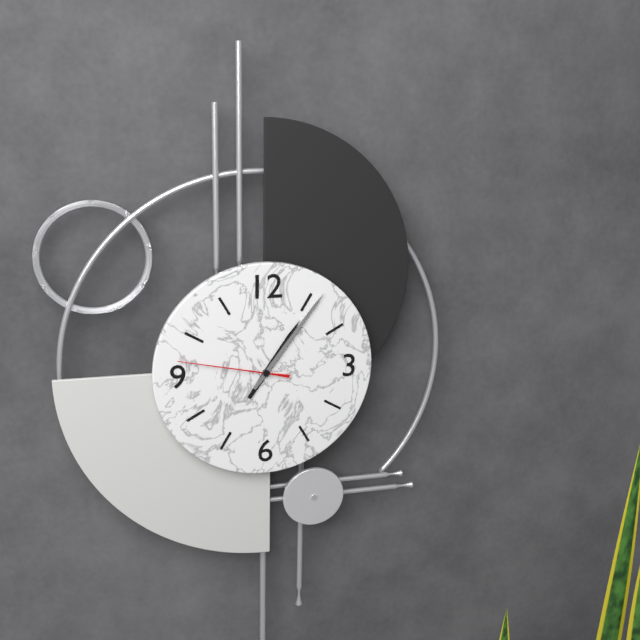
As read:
1.06.47
